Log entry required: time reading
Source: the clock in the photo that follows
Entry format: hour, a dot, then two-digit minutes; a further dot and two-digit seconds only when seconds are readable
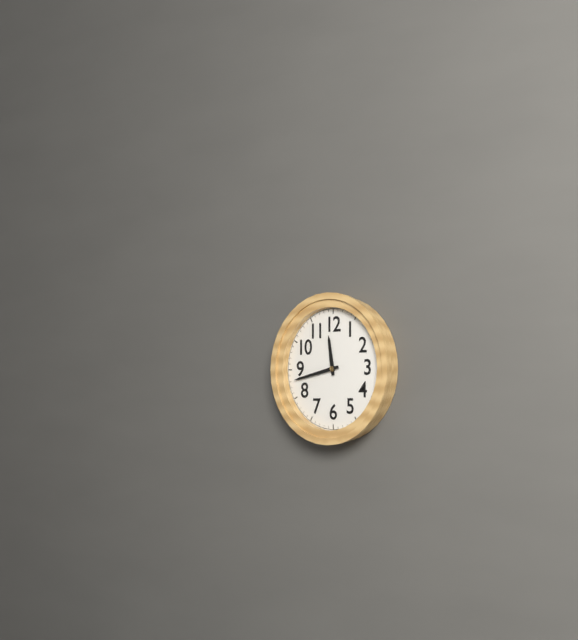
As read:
11.43
